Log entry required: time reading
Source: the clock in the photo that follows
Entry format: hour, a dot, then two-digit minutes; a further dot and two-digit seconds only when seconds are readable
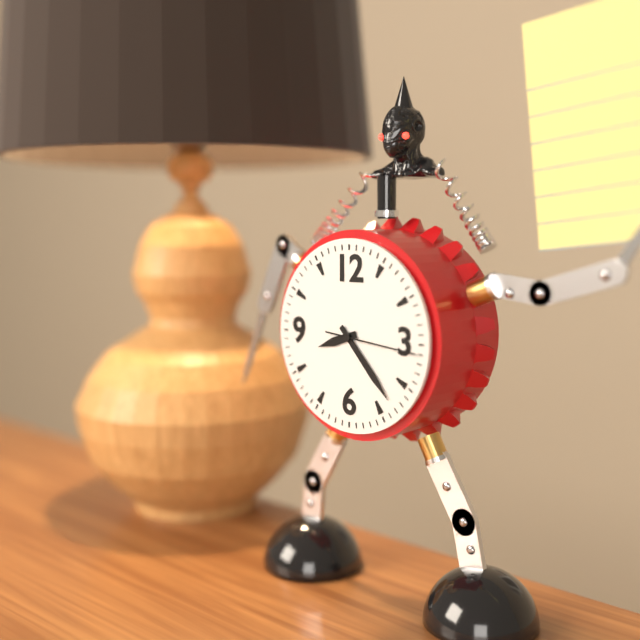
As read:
8.23.16
